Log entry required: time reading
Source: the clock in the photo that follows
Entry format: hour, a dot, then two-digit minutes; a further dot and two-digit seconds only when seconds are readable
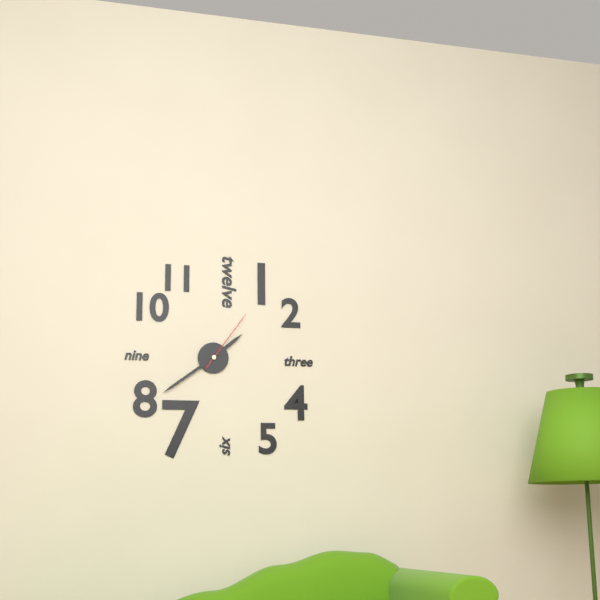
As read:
1.39.06
